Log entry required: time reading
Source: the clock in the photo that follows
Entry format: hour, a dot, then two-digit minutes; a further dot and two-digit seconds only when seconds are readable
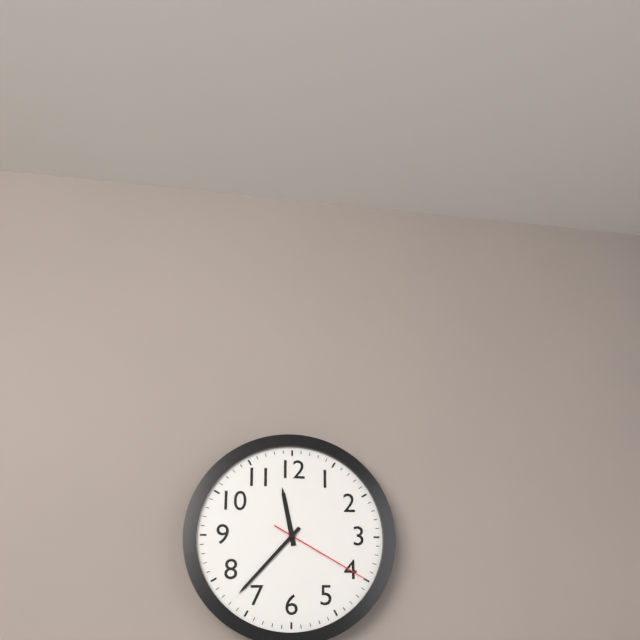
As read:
11.37.20
